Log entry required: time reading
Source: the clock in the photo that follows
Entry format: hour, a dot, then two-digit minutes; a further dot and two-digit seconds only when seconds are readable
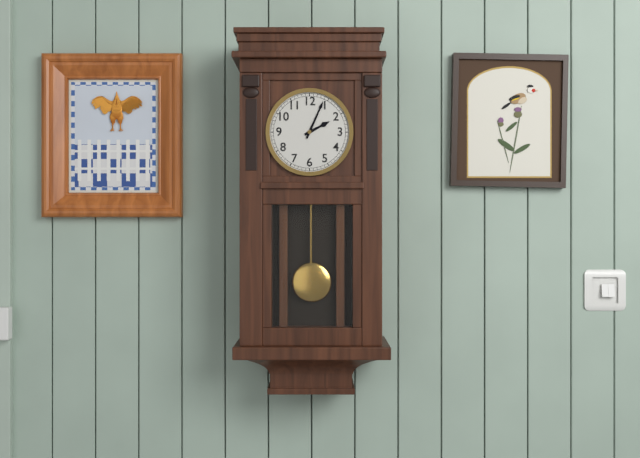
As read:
2.04
